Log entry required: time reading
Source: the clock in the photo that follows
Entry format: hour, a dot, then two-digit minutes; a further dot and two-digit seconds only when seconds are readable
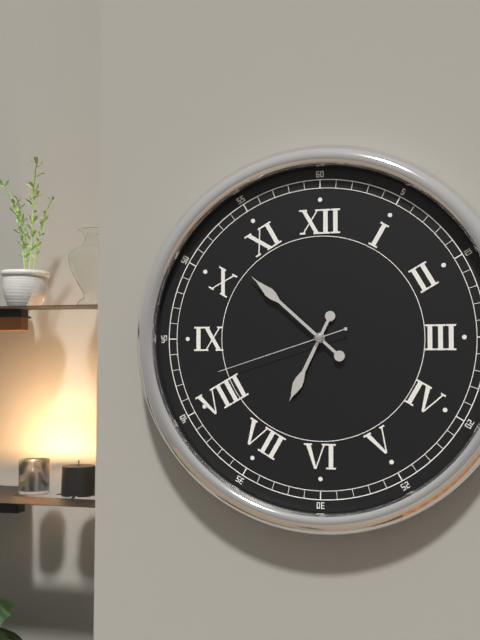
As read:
6.52.42
